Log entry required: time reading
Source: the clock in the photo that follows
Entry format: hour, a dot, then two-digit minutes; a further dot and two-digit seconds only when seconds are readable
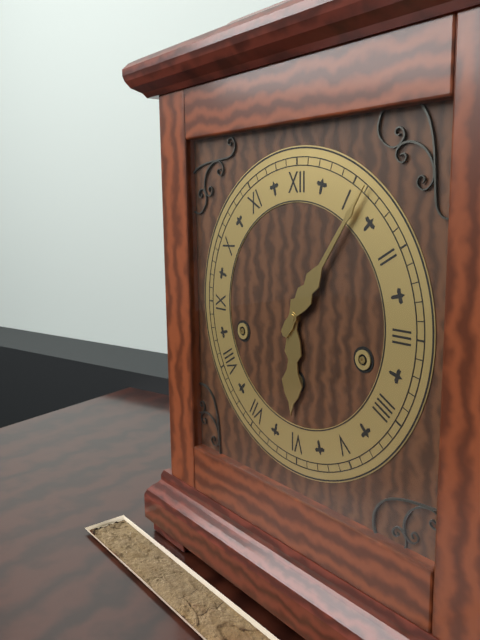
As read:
6.06
